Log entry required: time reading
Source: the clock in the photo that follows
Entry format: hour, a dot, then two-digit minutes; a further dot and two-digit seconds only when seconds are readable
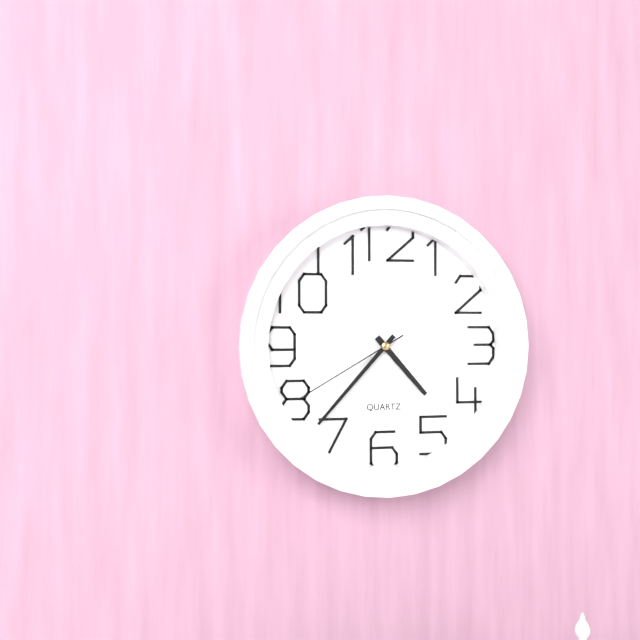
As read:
4.37.40
